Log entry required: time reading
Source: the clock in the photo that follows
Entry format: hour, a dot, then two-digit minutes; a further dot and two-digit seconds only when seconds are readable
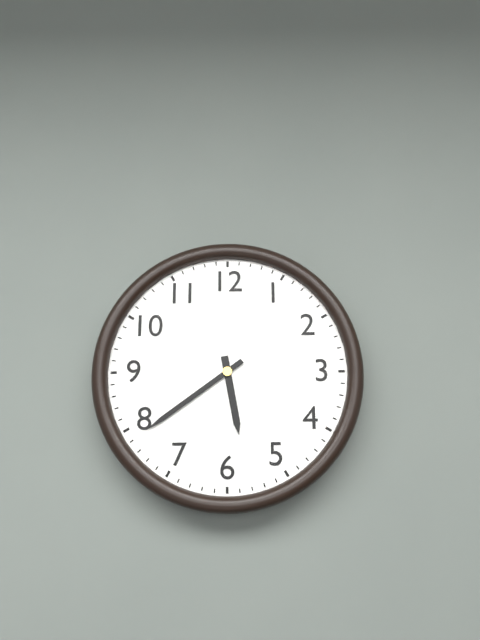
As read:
5.39
